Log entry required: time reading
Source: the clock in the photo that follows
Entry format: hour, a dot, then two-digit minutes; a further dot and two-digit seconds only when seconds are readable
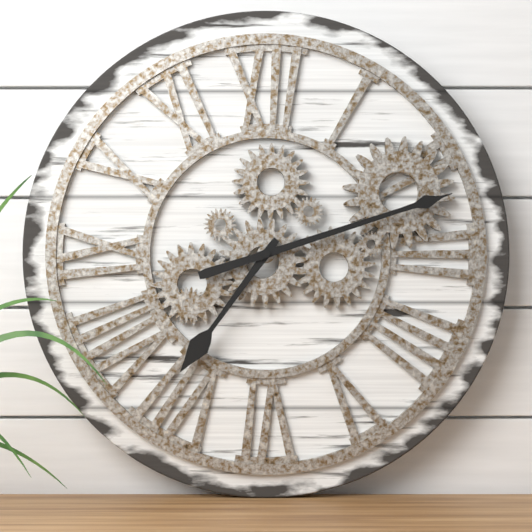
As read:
7.12
